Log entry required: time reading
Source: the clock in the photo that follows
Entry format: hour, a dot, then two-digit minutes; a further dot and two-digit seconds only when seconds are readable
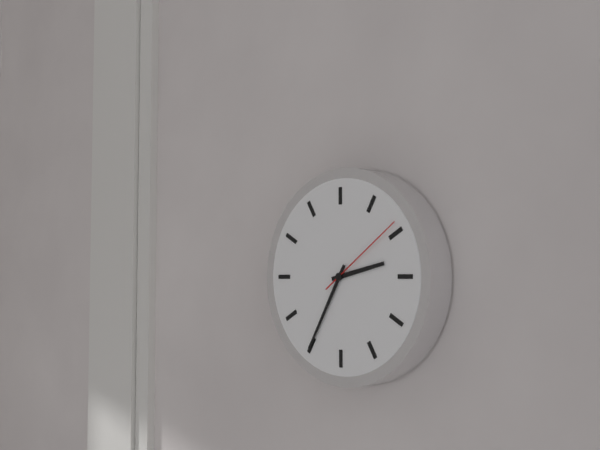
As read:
2.35.09
